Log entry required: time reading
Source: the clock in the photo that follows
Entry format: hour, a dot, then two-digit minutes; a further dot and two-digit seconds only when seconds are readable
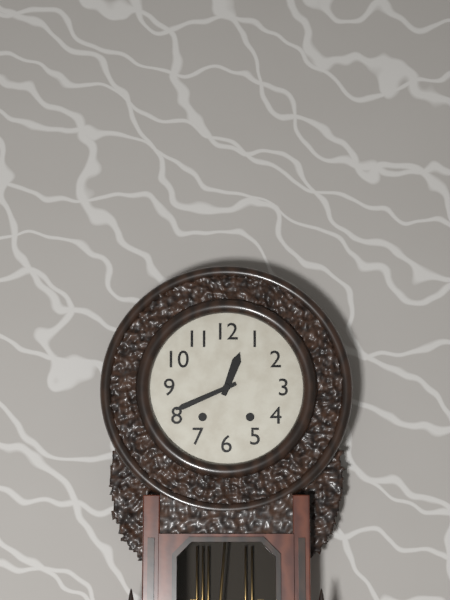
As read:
12.41
